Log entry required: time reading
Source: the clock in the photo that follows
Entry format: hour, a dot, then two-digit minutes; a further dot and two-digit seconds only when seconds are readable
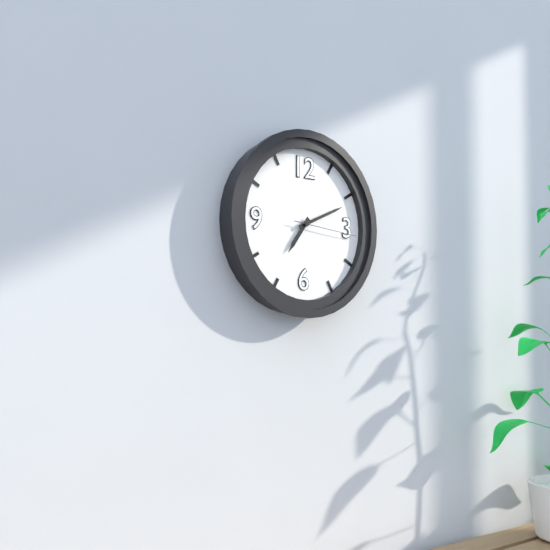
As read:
7.11.16
